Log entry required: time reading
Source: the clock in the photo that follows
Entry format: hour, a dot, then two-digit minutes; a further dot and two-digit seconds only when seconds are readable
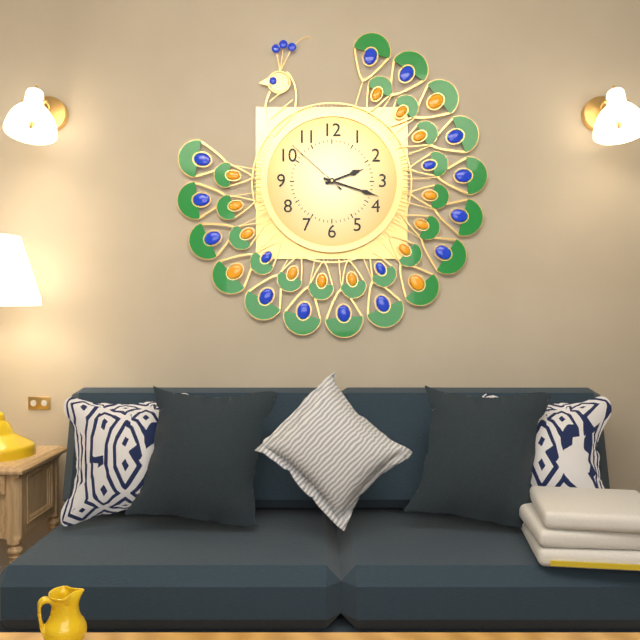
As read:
2.18.52
